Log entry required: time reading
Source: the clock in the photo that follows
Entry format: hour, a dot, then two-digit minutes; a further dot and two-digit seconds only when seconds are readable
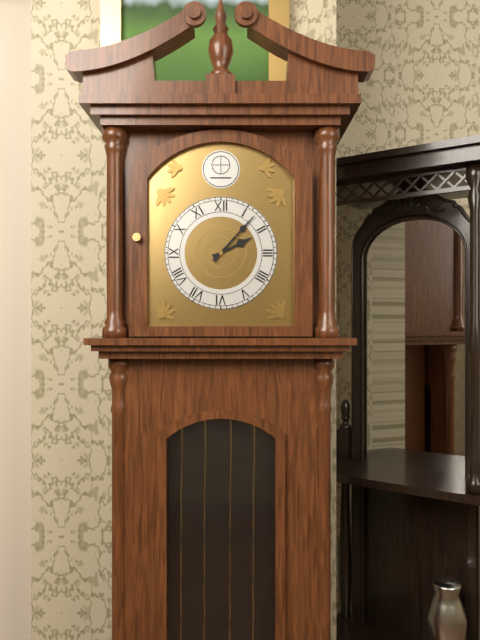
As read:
2.07
